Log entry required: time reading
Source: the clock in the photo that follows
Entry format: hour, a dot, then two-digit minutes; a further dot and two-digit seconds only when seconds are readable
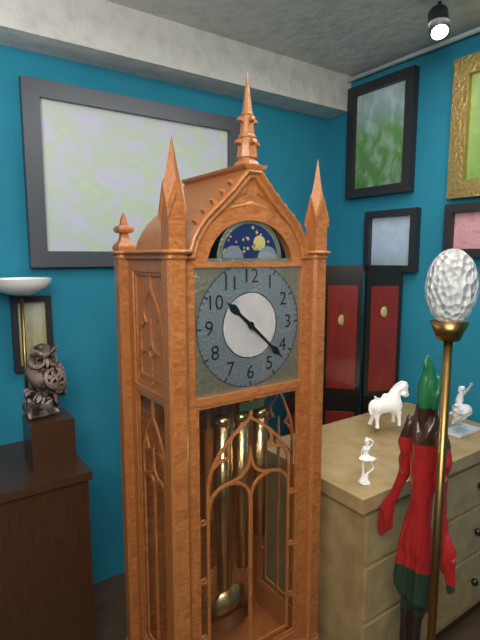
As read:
10.22
